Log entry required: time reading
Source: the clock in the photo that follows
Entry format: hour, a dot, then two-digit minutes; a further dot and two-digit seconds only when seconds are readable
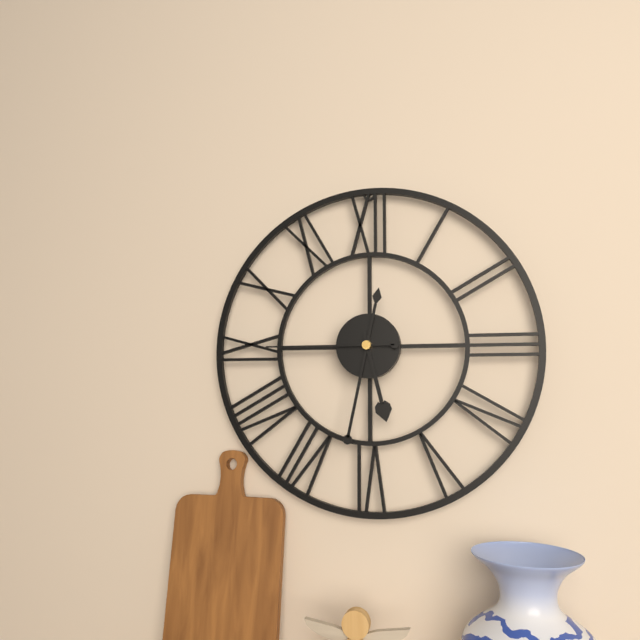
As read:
5.32.45
